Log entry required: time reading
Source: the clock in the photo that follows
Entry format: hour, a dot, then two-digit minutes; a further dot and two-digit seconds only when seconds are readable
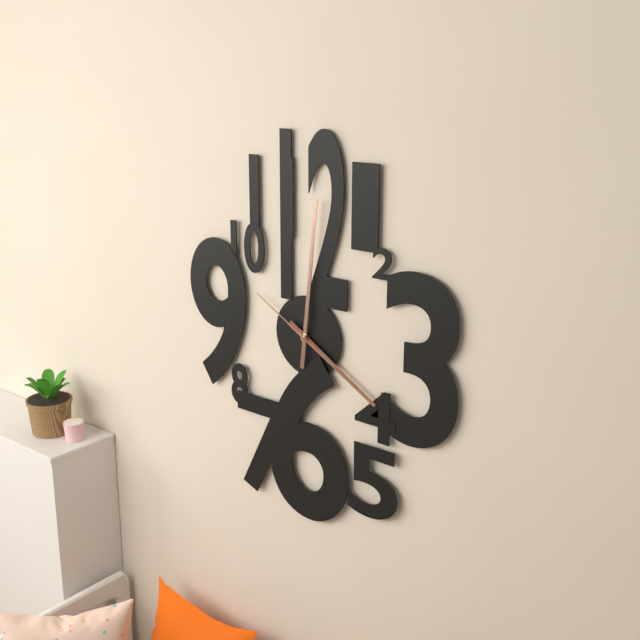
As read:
4.01.50
